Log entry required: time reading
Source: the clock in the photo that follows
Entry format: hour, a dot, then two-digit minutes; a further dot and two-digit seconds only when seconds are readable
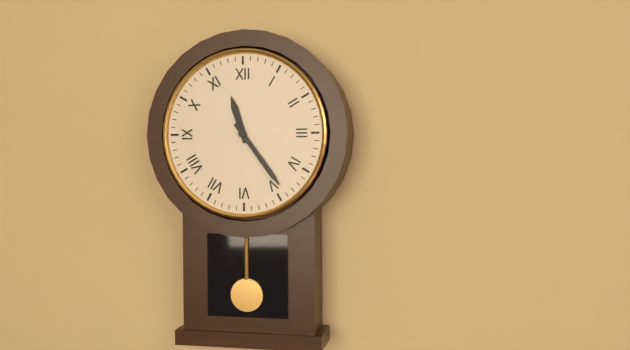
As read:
11.24
